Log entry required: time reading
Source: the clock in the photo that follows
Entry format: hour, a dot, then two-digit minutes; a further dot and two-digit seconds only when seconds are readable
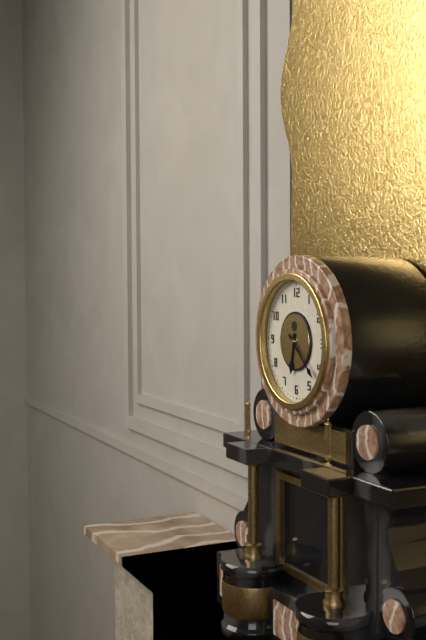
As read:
6.22
